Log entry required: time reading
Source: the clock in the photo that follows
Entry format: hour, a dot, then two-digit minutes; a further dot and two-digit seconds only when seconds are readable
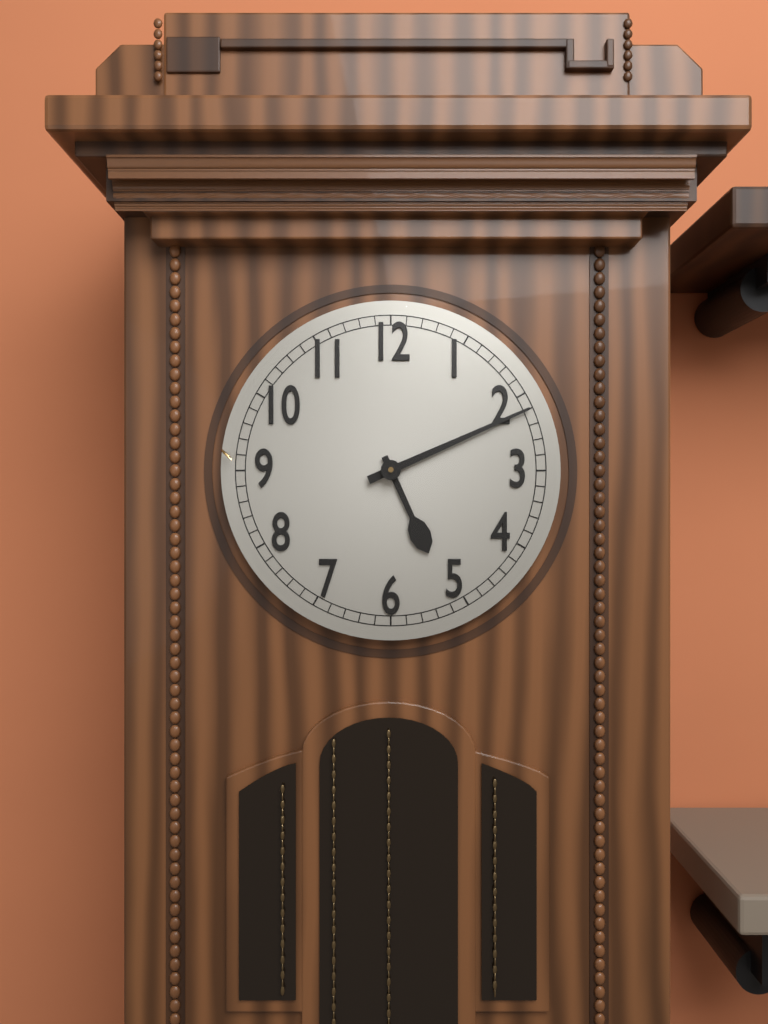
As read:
5.11
